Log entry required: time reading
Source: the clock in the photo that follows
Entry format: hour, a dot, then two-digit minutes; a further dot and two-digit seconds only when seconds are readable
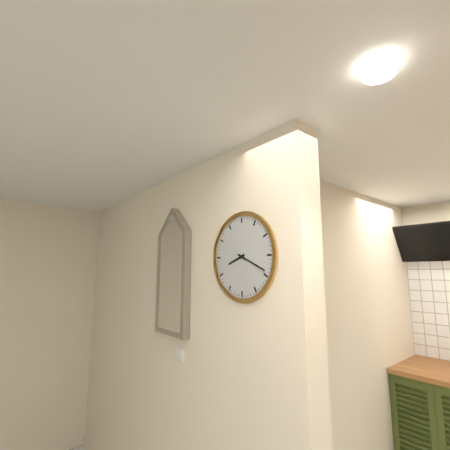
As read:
8.19
